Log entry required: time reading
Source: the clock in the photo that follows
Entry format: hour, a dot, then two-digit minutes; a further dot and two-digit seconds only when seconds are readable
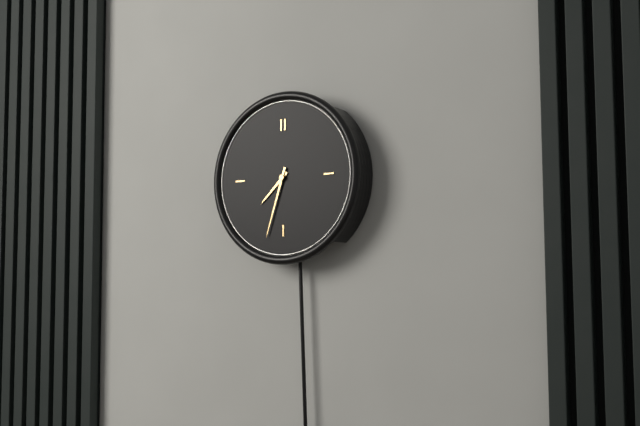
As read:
7.33
